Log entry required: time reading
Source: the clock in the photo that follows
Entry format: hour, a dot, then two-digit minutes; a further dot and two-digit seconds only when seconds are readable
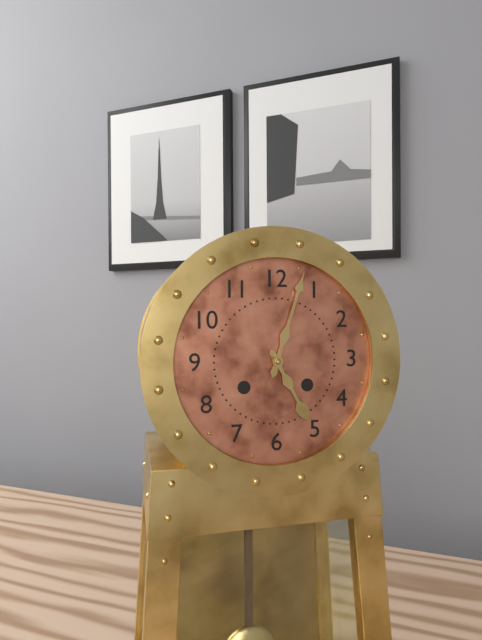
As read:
5.03
